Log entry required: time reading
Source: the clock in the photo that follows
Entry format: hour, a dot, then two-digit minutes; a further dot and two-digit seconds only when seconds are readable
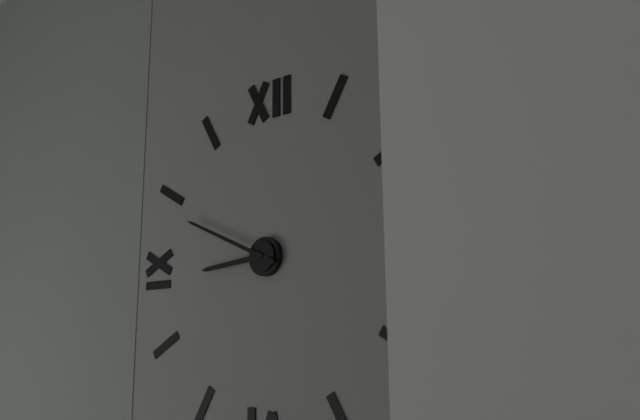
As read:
8.49
